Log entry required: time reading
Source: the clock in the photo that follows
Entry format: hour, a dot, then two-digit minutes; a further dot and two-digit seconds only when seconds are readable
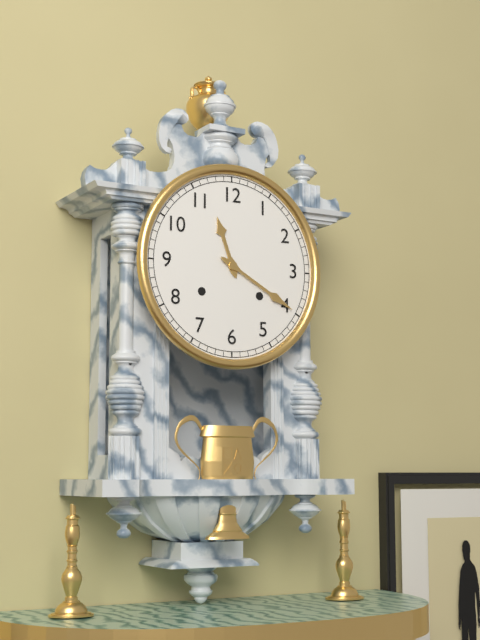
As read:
11.20
